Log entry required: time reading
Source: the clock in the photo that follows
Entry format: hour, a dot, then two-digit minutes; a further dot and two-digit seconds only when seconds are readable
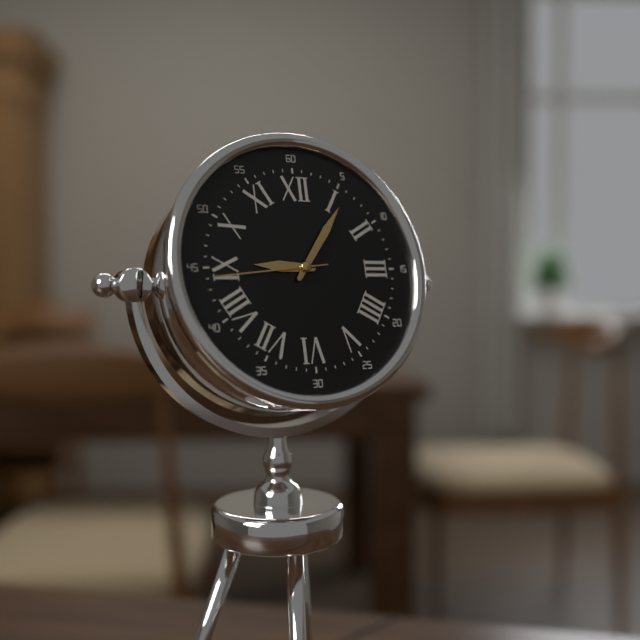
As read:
9.06.44
